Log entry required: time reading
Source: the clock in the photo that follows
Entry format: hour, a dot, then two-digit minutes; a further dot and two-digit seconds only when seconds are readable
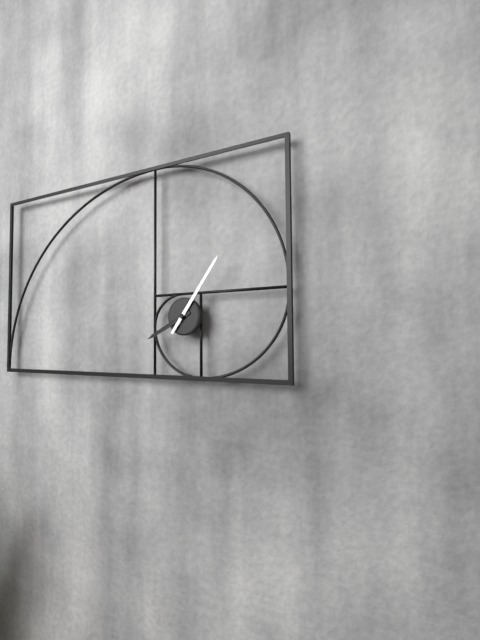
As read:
8.06
